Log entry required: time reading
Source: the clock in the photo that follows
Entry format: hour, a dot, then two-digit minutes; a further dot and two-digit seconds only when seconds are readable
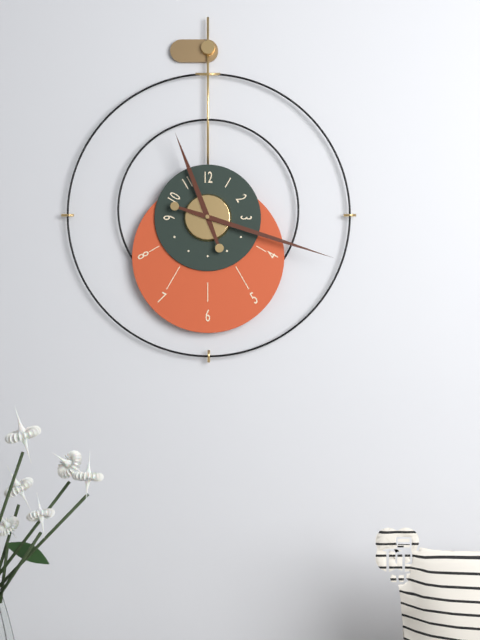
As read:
11.18
